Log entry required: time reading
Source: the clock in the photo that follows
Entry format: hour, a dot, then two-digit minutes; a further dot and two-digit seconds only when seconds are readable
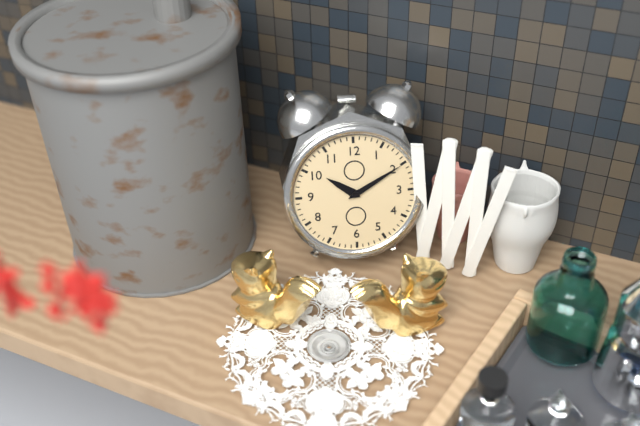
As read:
10.10
